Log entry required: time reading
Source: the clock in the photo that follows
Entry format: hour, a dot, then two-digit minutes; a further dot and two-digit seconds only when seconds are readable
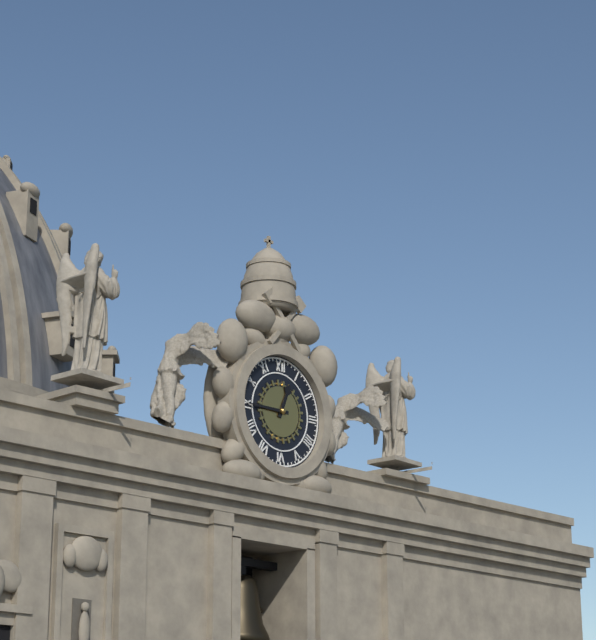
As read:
12.45
